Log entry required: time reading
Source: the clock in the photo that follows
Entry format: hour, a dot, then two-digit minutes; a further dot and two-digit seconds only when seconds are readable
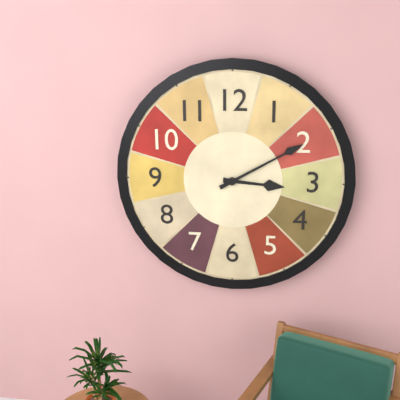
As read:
3.10
